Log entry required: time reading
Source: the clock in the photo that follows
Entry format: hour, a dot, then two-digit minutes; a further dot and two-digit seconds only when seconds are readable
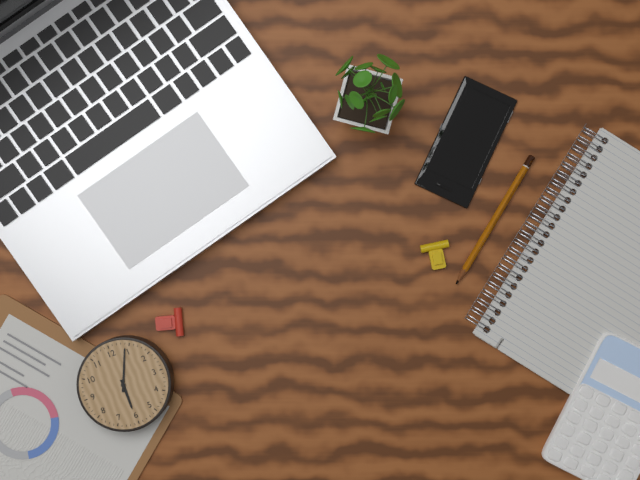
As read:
6.04
